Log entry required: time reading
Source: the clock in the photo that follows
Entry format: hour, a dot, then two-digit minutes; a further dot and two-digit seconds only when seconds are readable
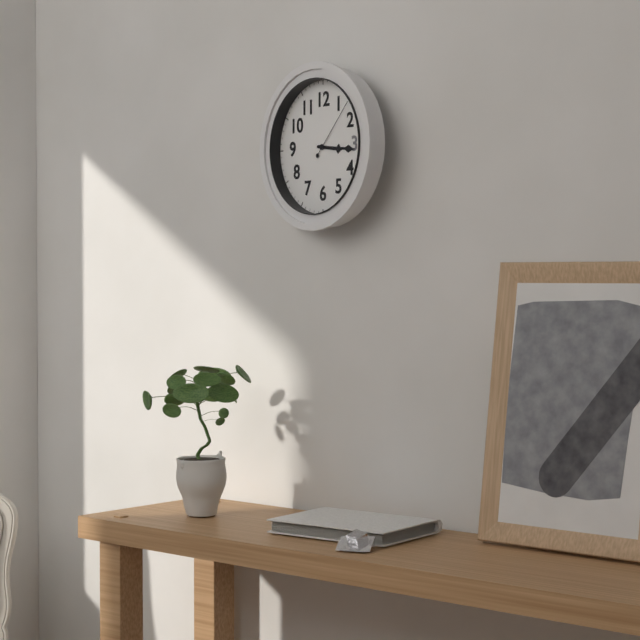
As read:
3.16.07
